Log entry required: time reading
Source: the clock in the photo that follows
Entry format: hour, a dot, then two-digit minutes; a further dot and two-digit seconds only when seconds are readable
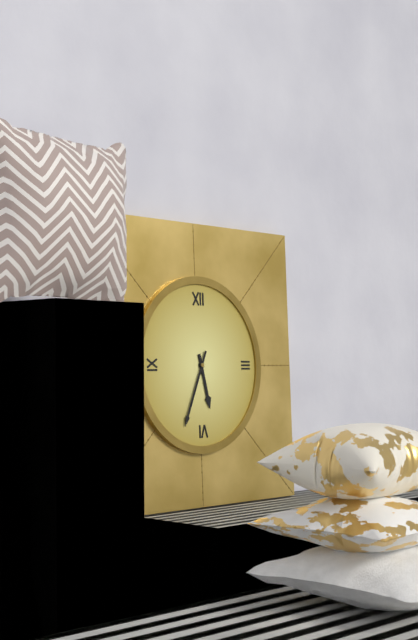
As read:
5.34
